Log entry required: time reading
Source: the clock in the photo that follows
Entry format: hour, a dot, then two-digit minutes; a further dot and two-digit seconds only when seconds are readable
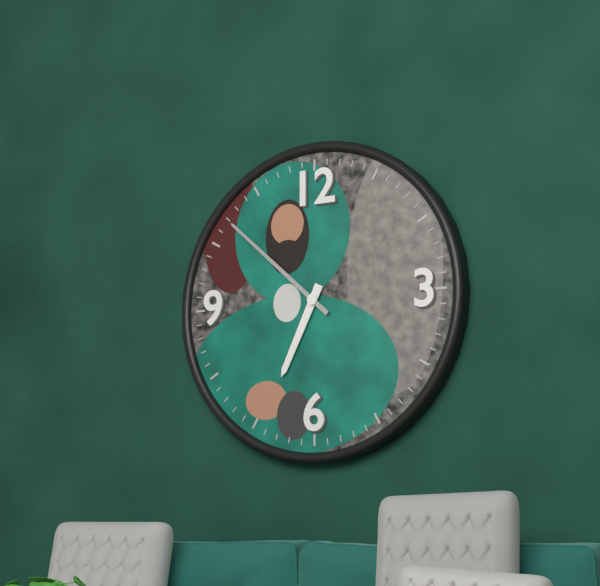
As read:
6.52
